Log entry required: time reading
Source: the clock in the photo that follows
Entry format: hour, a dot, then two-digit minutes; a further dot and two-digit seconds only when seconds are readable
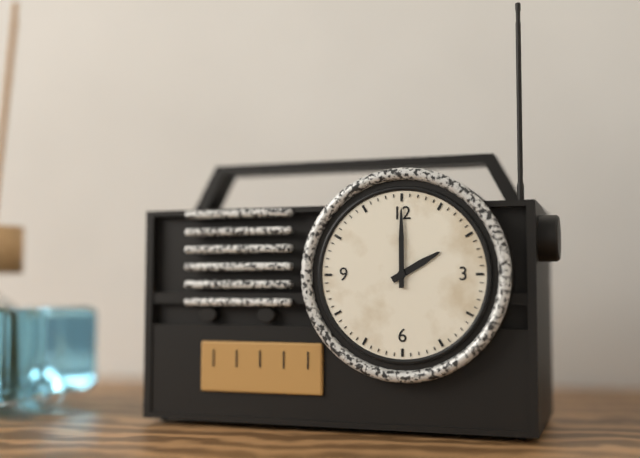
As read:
2.00
